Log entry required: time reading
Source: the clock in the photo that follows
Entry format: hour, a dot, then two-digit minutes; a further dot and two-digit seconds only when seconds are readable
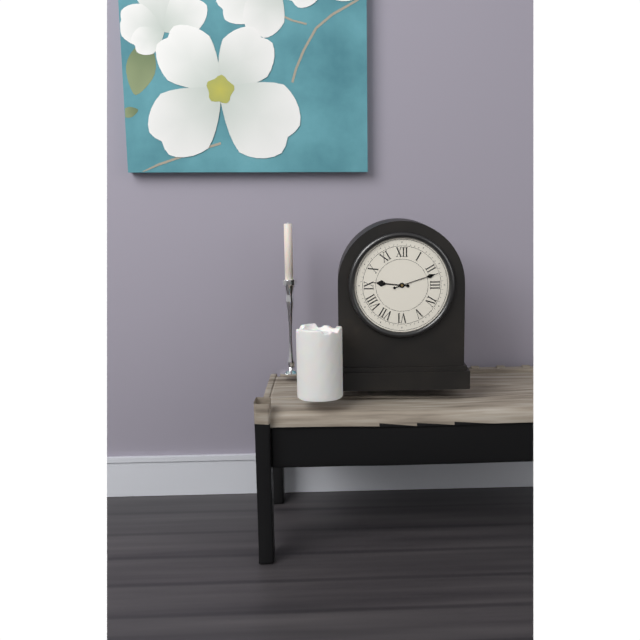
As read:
9.12
